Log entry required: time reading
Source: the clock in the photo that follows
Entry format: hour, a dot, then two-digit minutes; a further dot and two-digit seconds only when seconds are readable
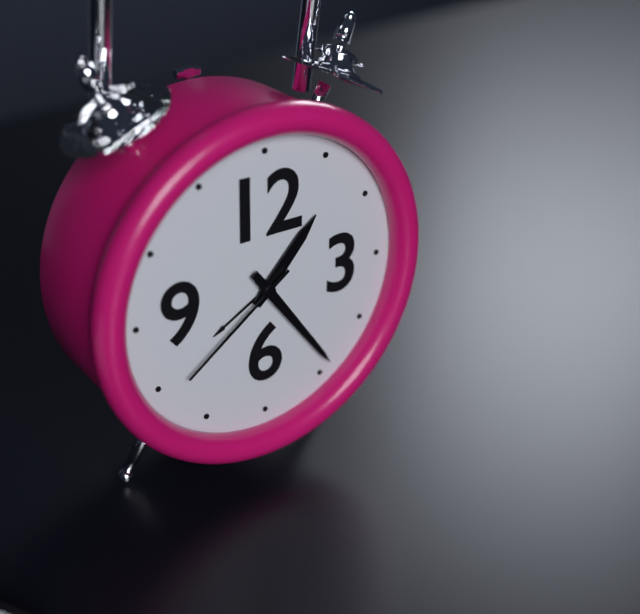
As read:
1.24.39
